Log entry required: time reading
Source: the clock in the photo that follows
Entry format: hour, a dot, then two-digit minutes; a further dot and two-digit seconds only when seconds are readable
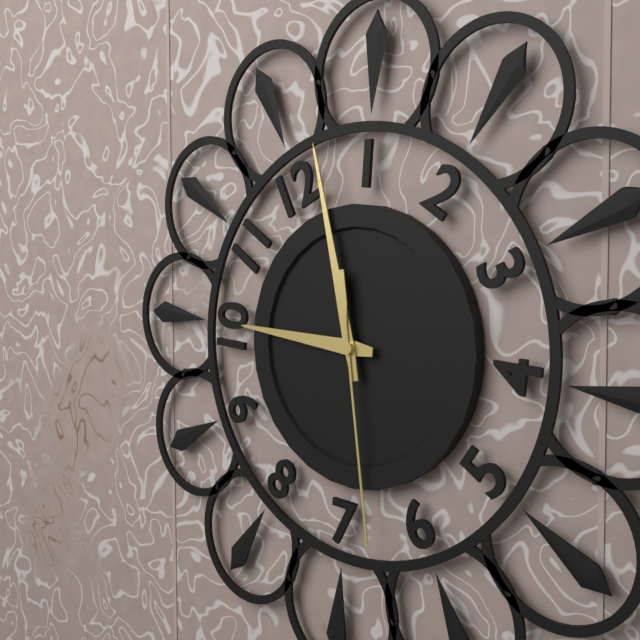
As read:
10.02.33
